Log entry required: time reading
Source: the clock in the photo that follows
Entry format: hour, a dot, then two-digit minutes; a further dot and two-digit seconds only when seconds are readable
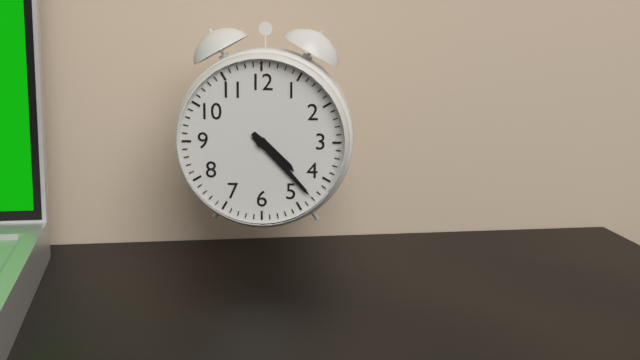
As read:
4.23
